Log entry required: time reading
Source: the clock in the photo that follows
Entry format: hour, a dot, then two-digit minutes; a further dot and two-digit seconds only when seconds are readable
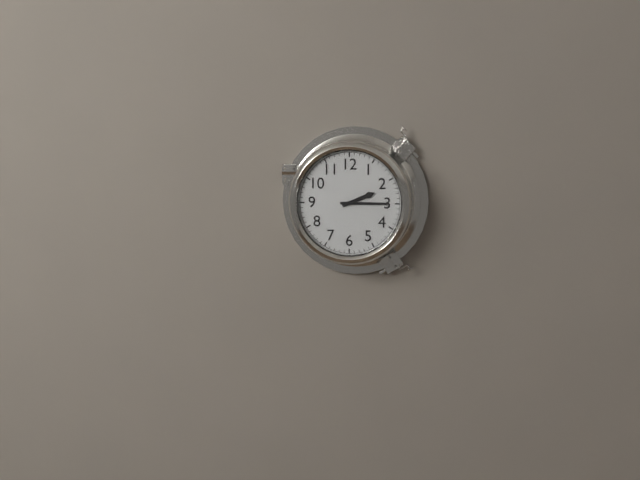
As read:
2.15
